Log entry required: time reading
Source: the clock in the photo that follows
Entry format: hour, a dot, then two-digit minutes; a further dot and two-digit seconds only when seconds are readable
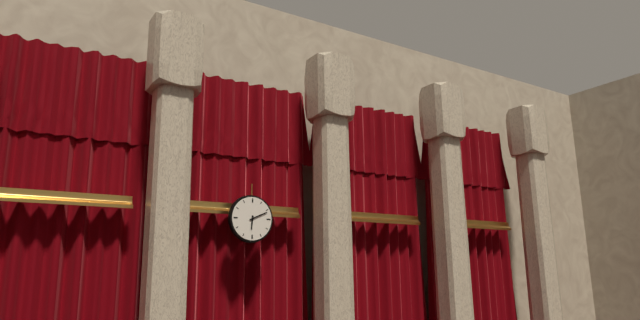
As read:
6.11
